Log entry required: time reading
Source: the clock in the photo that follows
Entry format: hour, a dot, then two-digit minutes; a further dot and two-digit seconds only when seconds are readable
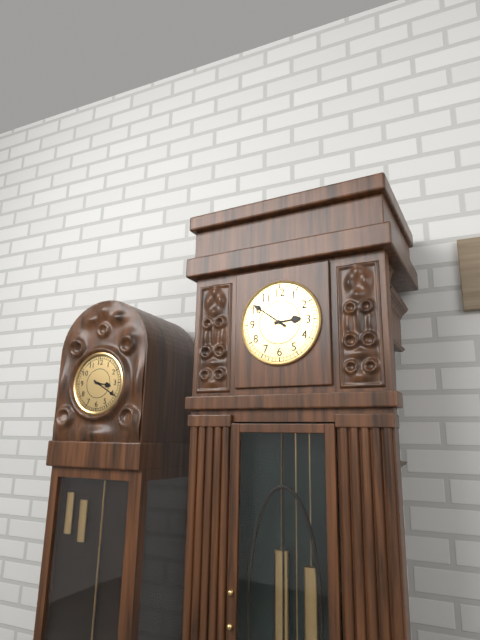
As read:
2.51
